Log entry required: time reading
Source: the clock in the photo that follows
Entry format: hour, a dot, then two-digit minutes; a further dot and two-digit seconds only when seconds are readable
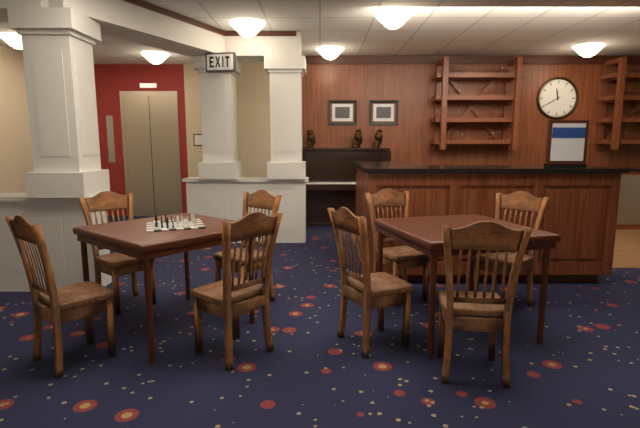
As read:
11.40
